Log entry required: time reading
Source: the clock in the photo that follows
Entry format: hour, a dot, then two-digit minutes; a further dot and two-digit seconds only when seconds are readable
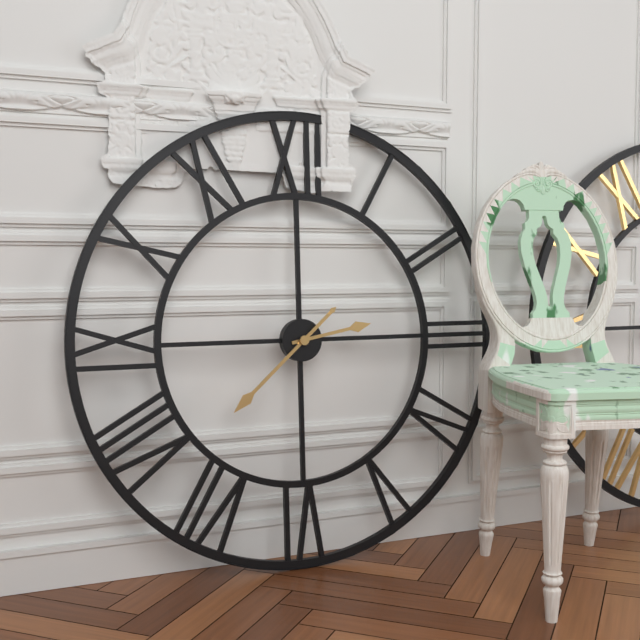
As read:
2.38
